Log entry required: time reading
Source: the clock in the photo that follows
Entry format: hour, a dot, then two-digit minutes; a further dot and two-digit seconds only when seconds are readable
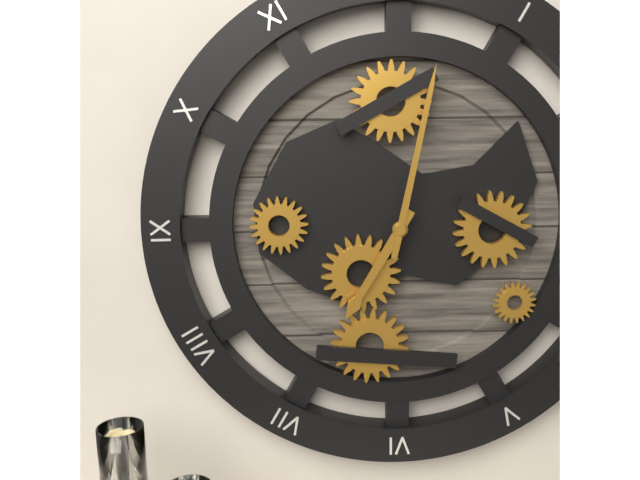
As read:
7.02
